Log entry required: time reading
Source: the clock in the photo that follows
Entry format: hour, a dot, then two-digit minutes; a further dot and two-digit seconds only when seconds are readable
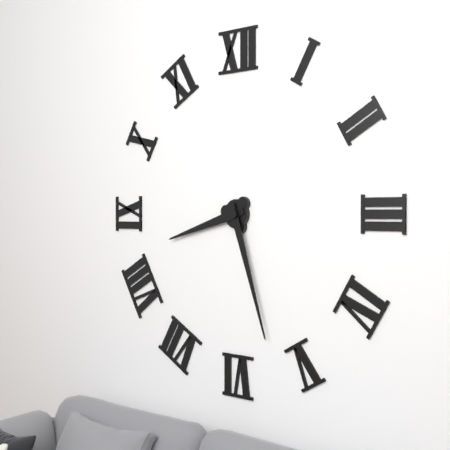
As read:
8.27
